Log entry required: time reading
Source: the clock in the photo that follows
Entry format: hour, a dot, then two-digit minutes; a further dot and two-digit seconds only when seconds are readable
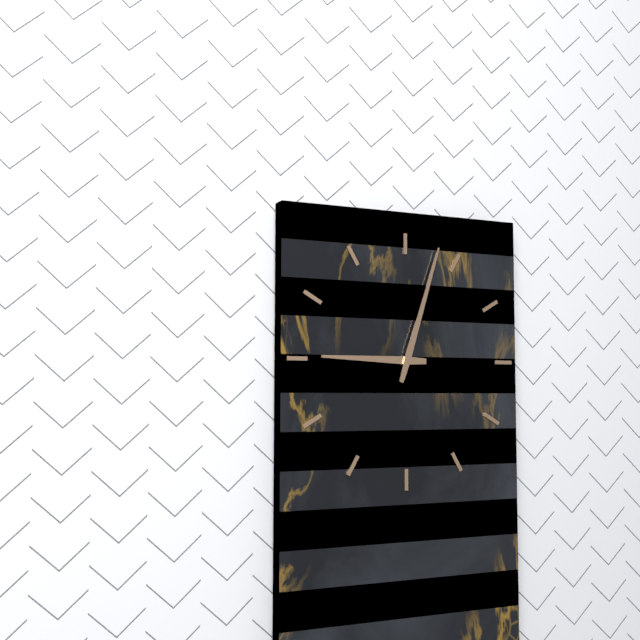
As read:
9.03
